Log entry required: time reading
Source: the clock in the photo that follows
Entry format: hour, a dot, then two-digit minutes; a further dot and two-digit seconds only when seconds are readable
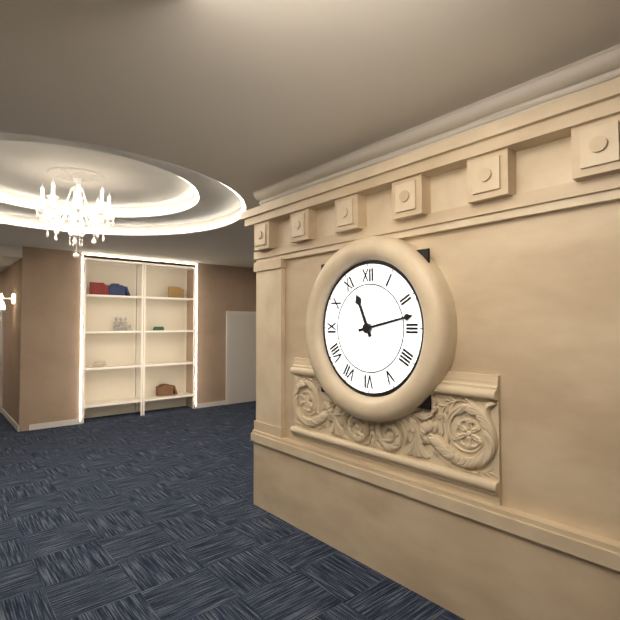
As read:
11.13
